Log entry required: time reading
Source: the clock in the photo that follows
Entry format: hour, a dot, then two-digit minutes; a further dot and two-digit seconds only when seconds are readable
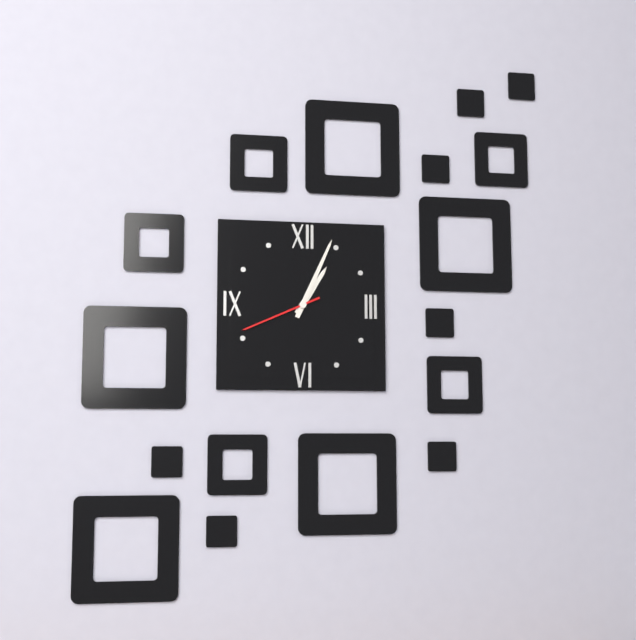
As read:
1.04.41
